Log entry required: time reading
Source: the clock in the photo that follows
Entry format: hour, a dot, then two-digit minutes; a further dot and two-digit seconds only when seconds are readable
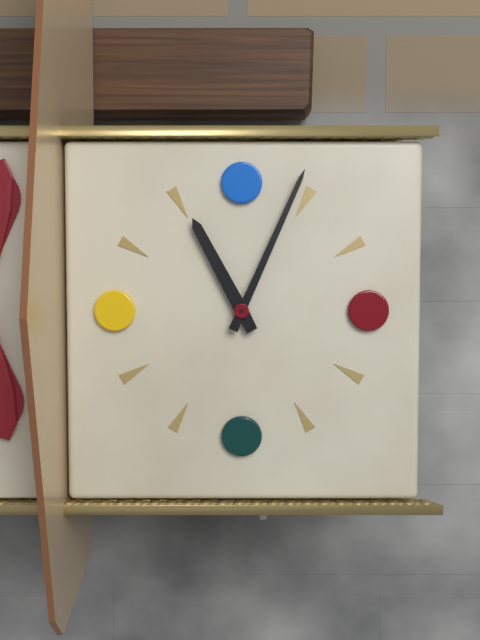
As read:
11.04
